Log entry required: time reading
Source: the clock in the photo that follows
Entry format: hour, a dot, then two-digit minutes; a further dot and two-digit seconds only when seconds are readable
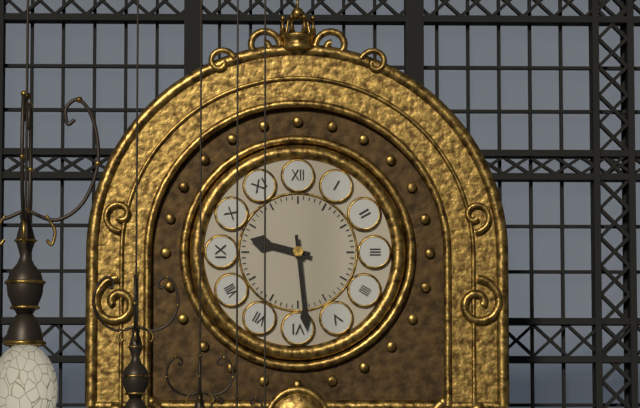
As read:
9.29
